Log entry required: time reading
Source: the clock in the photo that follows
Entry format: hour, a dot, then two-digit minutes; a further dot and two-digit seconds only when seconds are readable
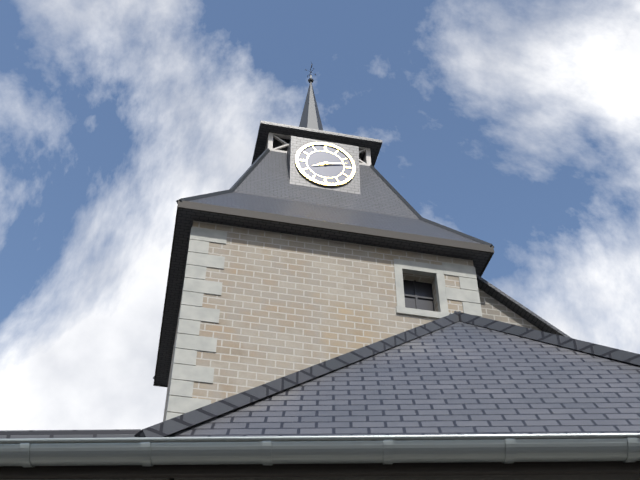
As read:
8.13
